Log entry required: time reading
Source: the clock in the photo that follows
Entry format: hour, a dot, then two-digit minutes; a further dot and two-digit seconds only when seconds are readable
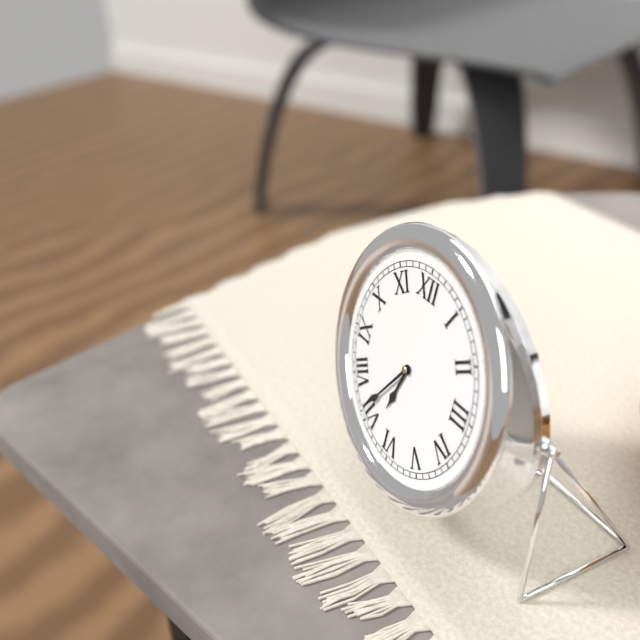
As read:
6.36
